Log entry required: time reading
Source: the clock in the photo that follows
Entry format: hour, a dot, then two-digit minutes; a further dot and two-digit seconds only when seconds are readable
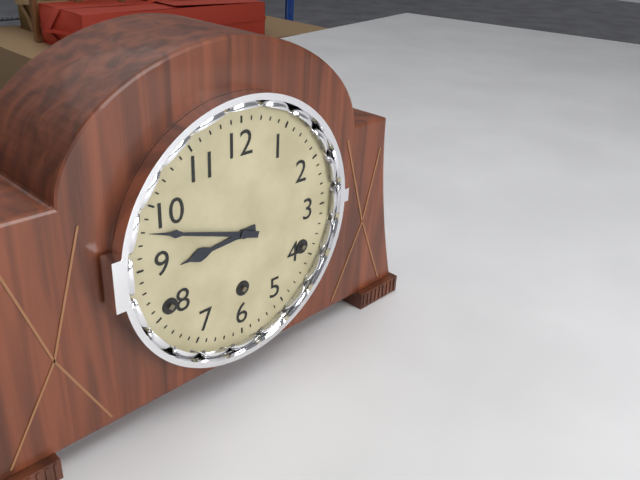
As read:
8.48
